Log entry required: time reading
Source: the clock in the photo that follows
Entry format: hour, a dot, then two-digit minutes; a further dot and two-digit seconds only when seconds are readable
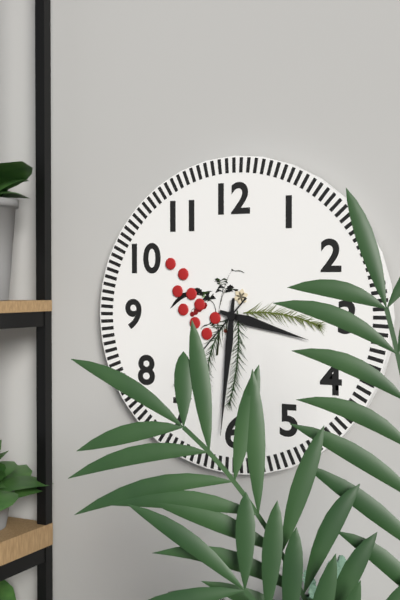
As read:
3.31
